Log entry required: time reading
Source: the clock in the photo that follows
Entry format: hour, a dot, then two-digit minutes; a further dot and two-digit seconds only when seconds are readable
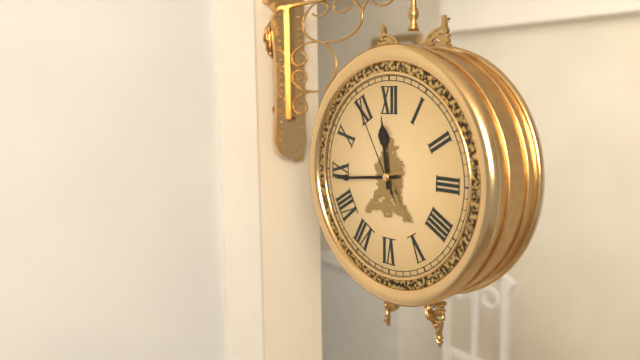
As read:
11.44.55
